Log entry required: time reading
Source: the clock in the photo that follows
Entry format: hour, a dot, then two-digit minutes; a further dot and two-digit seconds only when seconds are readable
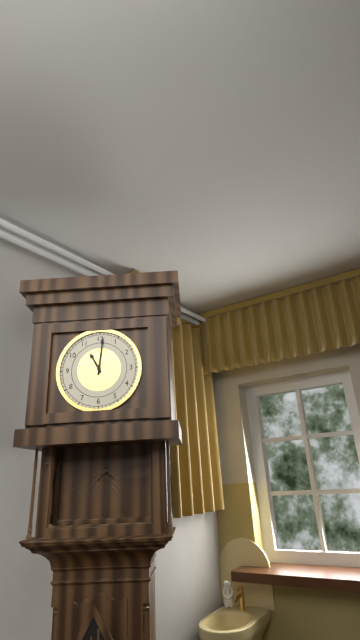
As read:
11.01
